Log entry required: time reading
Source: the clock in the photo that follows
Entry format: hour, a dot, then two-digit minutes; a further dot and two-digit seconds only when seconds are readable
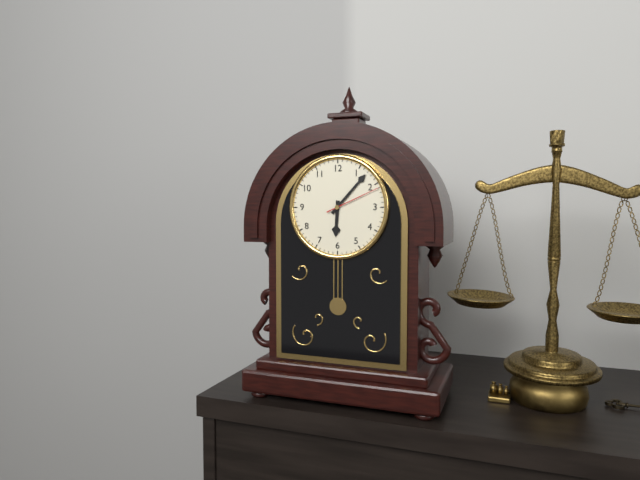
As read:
6.07.11
